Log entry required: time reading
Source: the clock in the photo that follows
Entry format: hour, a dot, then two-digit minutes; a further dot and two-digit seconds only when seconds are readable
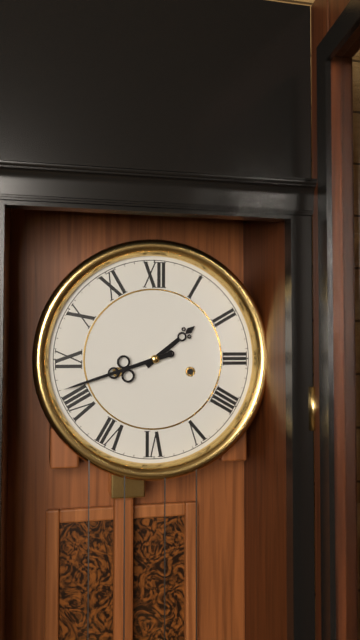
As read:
1.42
